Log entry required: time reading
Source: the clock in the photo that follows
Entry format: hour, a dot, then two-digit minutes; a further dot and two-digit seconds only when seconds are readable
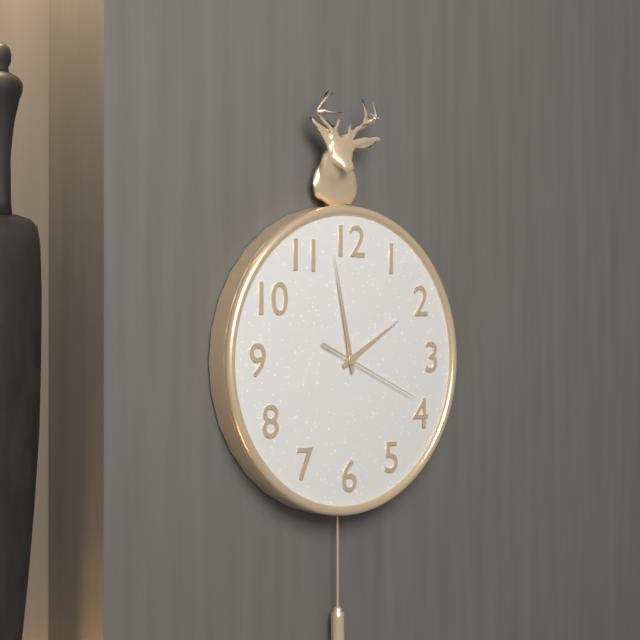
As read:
1.58.19
